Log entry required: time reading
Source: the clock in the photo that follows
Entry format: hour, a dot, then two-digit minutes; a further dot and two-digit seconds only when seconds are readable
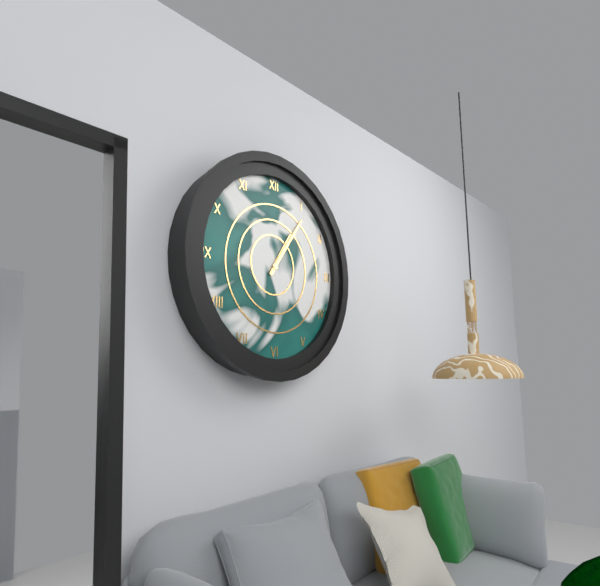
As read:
1.06
